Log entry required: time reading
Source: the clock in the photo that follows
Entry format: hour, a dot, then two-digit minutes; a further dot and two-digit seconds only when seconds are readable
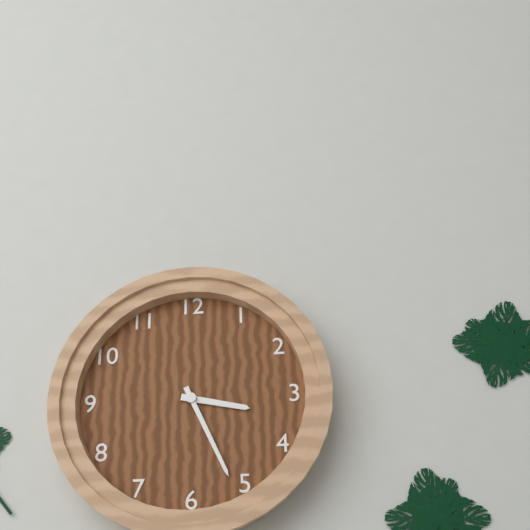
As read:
3.26
